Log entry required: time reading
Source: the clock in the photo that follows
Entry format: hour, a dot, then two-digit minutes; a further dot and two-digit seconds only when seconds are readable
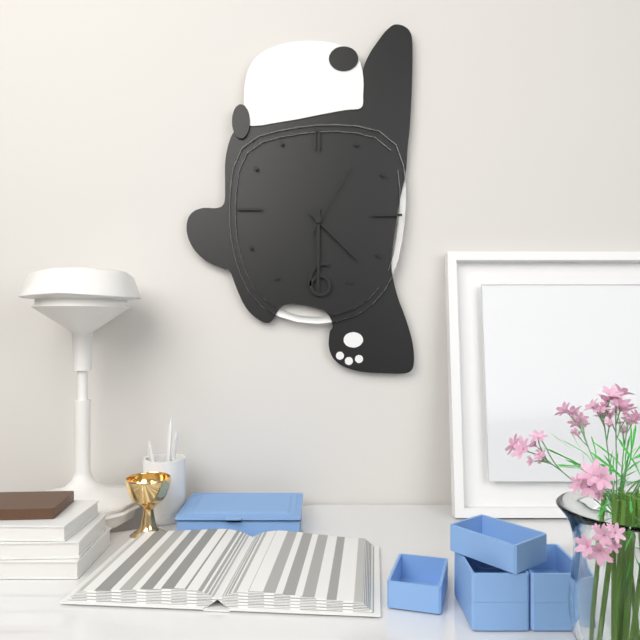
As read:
4.30.05
